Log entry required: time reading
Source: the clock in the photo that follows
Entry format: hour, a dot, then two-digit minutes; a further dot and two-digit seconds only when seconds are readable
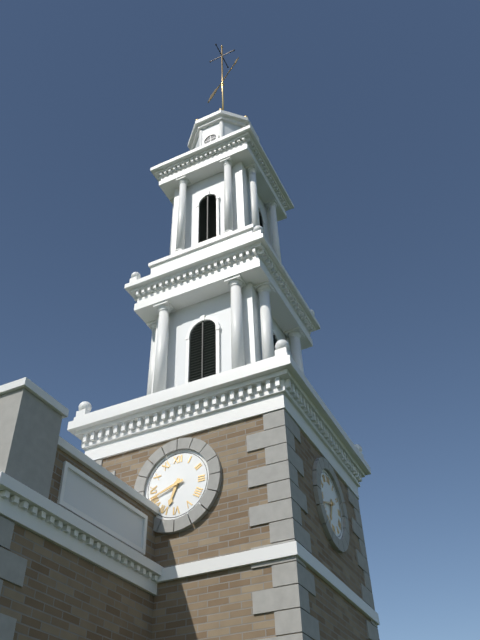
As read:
6.42
